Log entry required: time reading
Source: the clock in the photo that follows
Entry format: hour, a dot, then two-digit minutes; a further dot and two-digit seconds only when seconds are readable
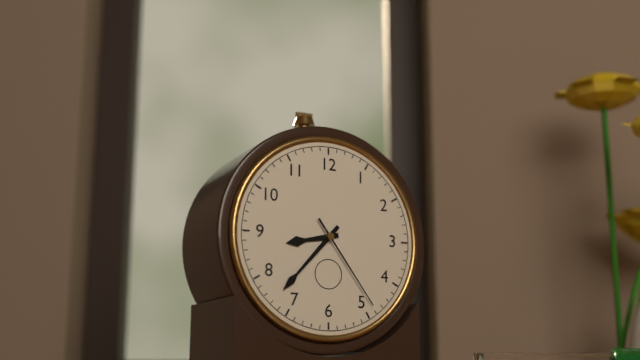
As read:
8.37.24
